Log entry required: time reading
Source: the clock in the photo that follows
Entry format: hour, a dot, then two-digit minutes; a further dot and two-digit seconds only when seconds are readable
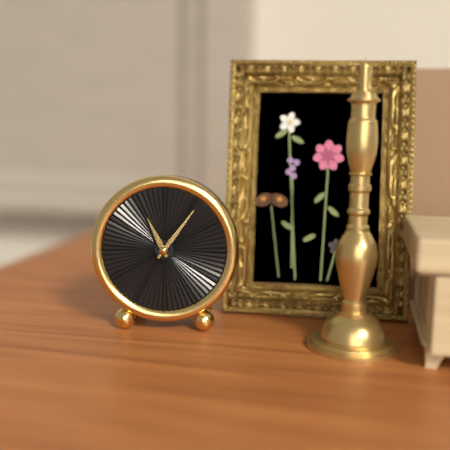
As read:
11.06
